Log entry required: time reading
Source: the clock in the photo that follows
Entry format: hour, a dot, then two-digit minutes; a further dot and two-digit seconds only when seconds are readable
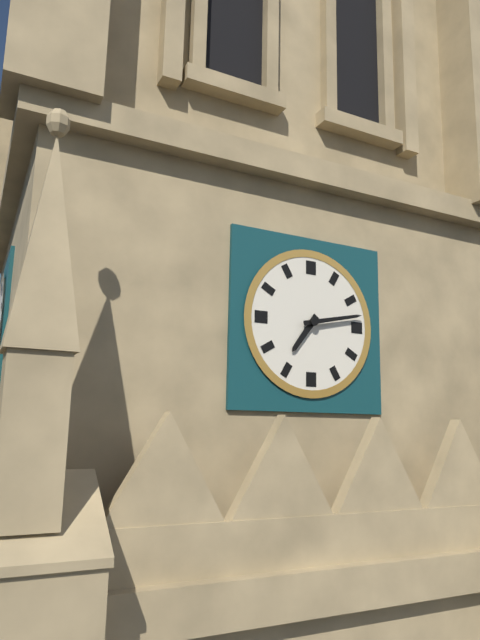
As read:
7.13
